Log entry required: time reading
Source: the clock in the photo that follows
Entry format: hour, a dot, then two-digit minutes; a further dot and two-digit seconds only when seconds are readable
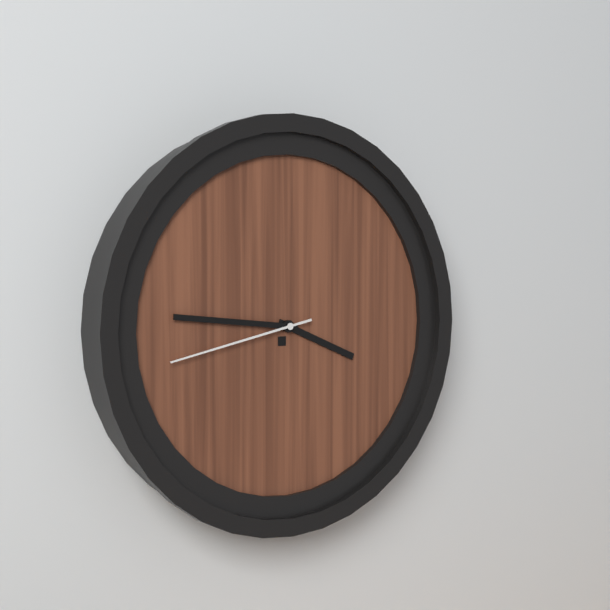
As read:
3.46.43
